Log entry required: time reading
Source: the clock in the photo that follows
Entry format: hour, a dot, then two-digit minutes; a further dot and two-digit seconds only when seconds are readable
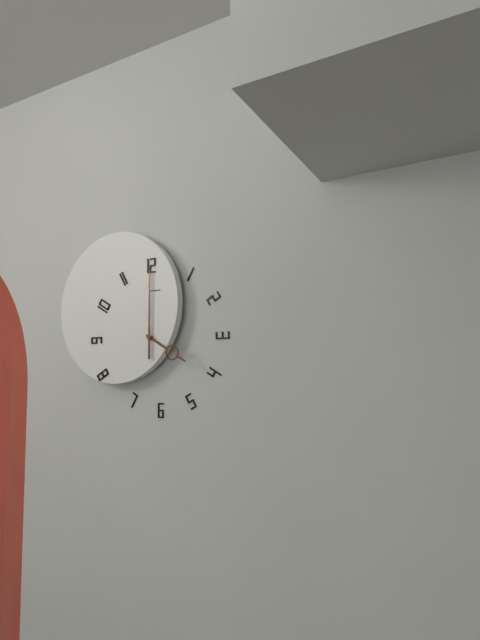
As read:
4.00
